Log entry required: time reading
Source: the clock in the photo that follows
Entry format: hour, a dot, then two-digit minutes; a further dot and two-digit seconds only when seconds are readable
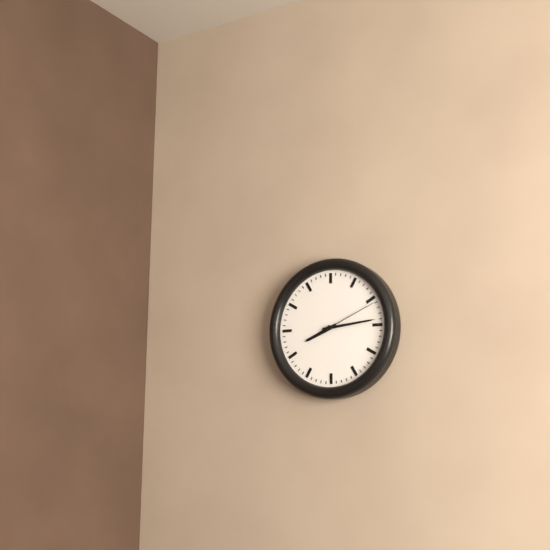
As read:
8.14.11
